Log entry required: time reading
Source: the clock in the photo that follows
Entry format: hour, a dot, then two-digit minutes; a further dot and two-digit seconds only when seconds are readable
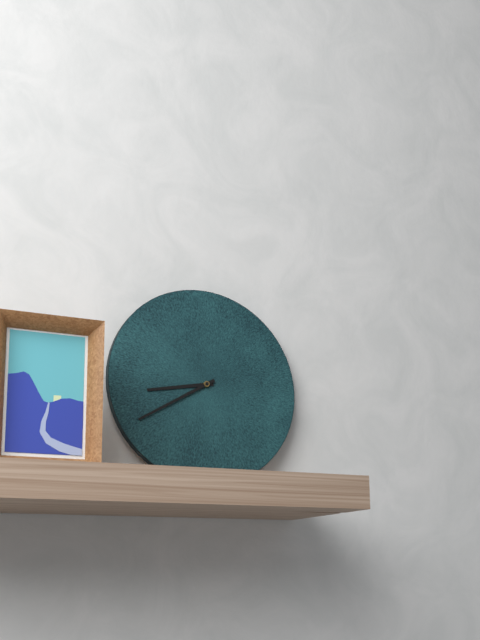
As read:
8.40
